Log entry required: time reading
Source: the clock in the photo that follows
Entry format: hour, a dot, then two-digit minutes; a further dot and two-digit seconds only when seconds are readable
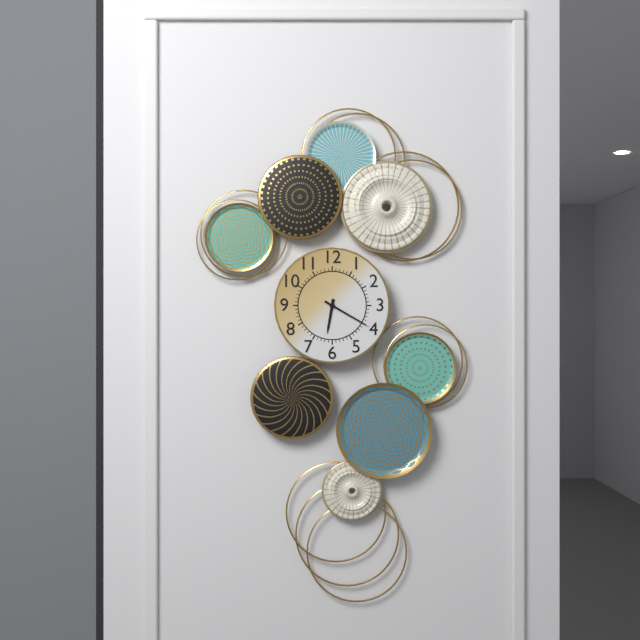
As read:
6.20
